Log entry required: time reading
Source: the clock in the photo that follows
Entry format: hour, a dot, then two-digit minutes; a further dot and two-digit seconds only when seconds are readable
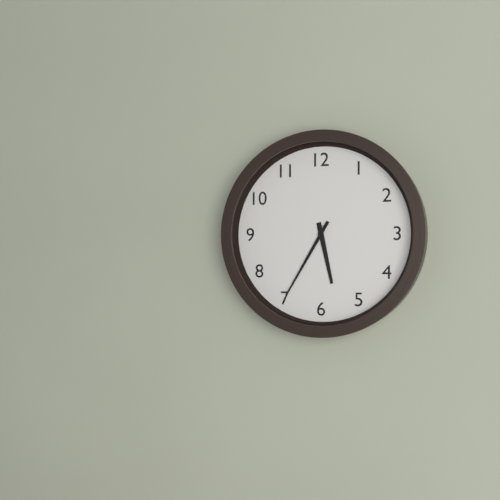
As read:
5.35
